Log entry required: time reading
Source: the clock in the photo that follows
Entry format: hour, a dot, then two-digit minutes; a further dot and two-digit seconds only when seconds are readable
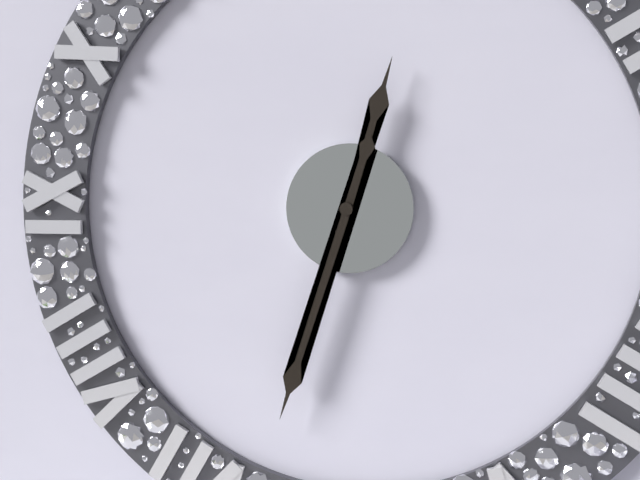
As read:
12.33
